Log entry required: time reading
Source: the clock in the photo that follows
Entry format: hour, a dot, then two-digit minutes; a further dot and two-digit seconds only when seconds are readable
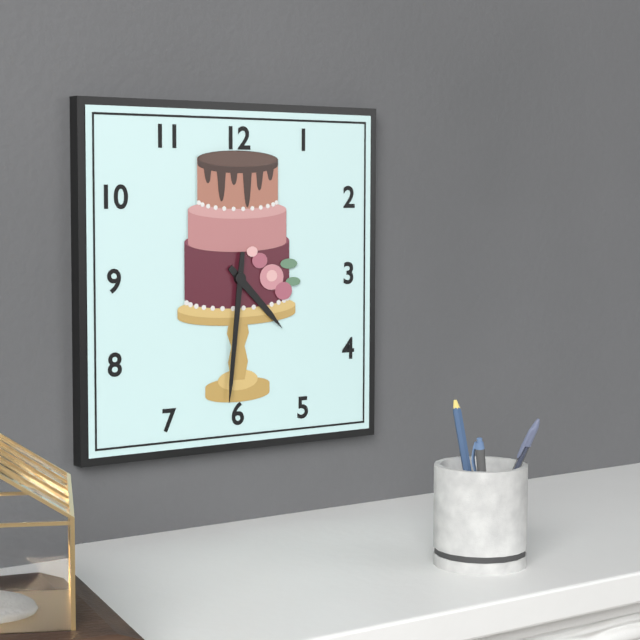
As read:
4.31
